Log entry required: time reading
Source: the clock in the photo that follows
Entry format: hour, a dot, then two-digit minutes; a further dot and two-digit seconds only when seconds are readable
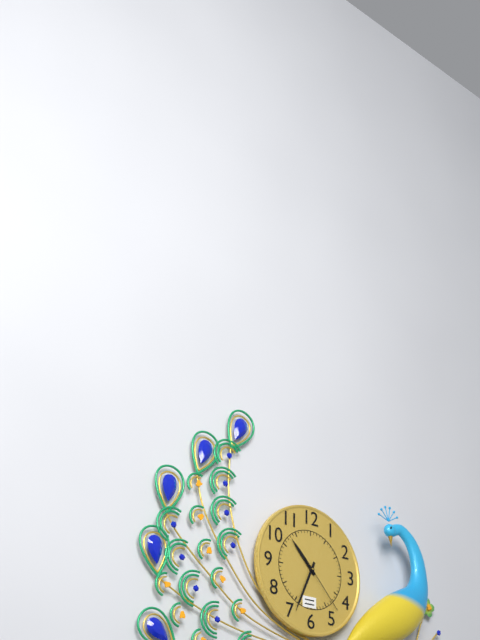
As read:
10.34.23
